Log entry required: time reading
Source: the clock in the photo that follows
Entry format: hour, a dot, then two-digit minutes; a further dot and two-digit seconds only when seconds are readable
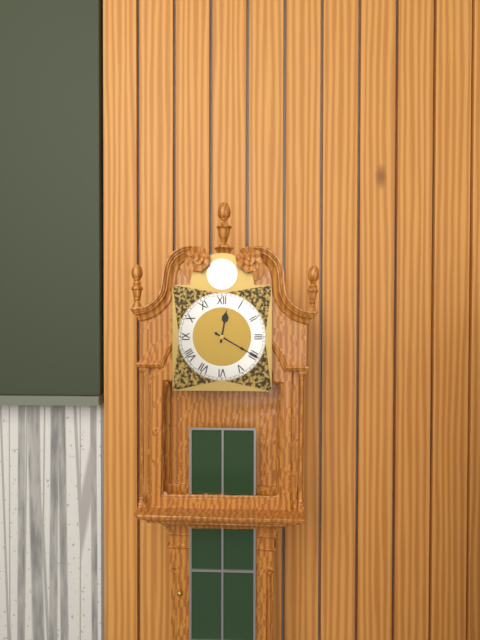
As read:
12.20
